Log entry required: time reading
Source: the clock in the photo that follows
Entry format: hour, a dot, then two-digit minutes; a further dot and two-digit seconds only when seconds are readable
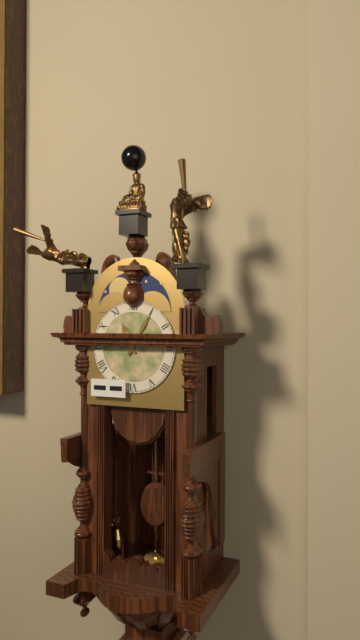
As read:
11.05
